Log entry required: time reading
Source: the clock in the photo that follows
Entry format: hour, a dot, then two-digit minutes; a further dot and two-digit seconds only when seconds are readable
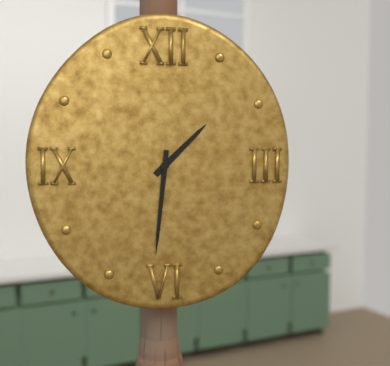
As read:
1.31
